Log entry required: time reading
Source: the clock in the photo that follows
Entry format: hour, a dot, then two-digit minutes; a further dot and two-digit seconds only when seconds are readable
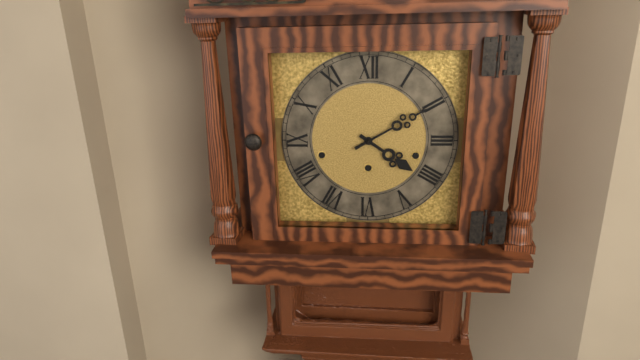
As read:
4.10
